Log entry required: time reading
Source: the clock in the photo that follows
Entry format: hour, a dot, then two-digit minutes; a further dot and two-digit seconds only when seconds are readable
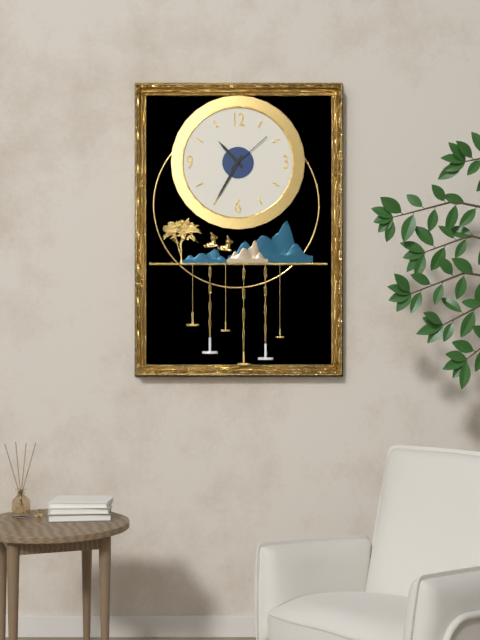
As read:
10.35
